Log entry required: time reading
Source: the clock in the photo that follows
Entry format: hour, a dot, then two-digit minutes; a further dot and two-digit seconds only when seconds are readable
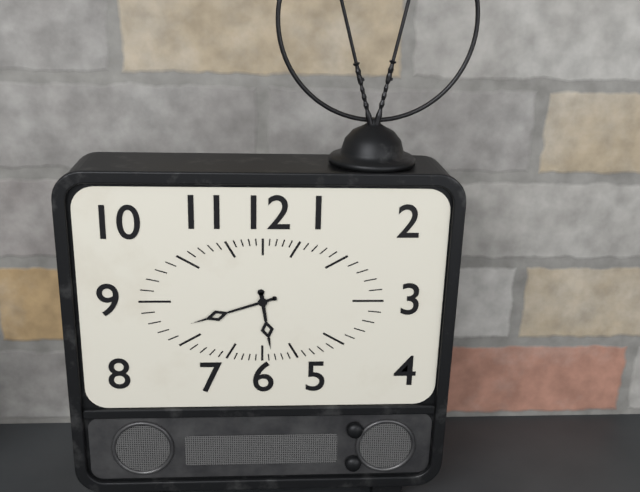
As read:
5.42
